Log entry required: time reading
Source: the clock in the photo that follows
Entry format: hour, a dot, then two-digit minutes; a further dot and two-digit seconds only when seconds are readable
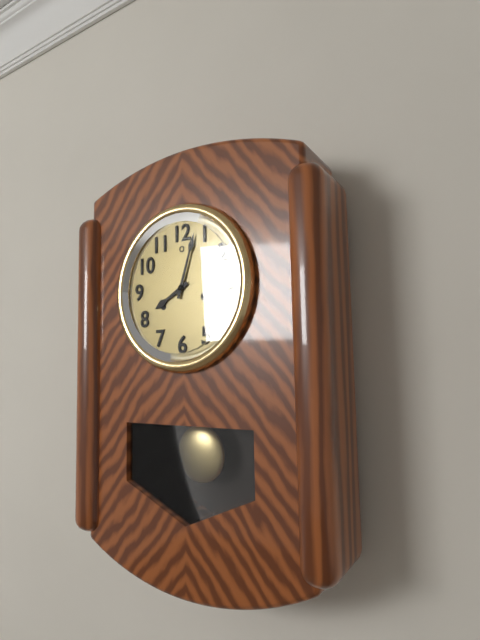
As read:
8.03
